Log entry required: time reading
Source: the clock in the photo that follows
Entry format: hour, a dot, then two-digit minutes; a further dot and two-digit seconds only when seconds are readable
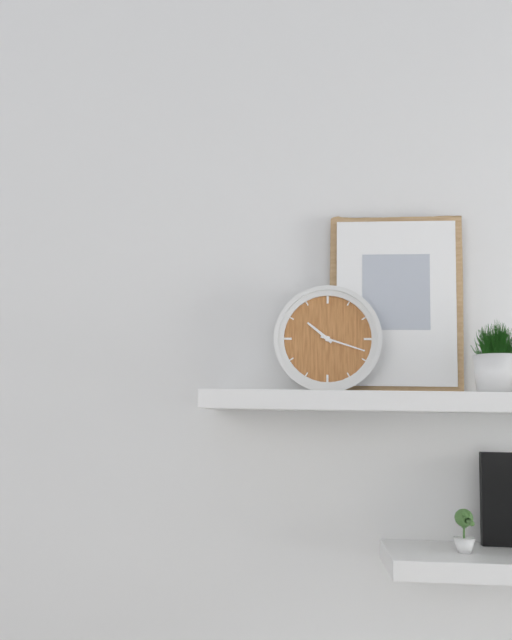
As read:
10.18
